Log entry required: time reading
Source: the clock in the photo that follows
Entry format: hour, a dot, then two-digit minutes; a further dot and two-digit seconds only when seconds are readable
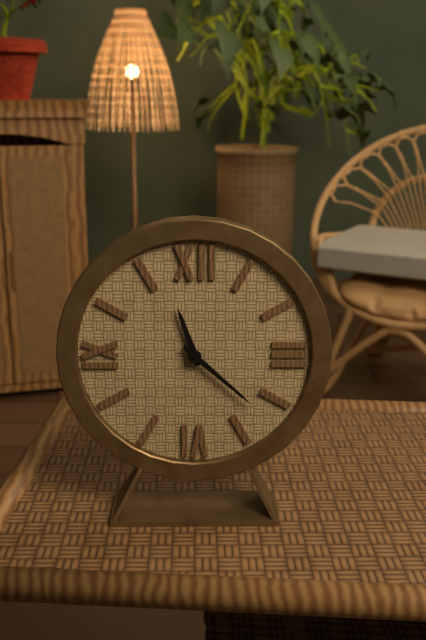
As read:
11.22
